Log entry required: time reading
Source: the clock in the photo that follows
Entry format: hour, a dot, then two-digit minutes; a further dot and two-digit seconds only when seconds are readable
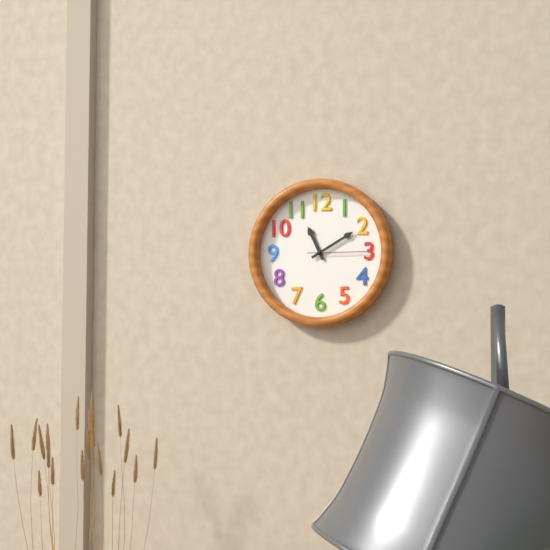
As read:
11.10.15
